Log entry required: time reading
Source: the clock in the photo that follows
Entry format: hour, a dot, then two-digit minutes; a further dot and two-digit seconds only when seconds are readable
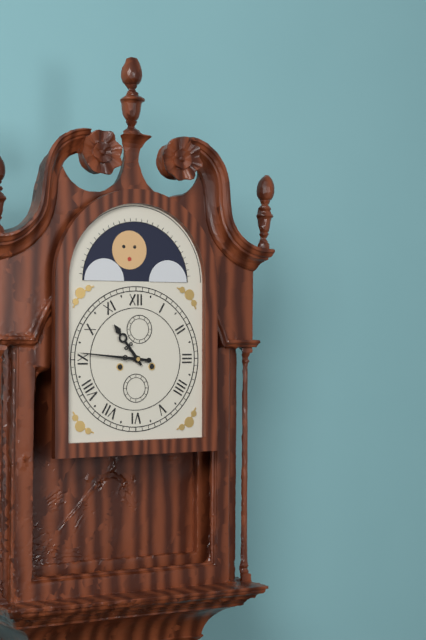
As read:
10.46
